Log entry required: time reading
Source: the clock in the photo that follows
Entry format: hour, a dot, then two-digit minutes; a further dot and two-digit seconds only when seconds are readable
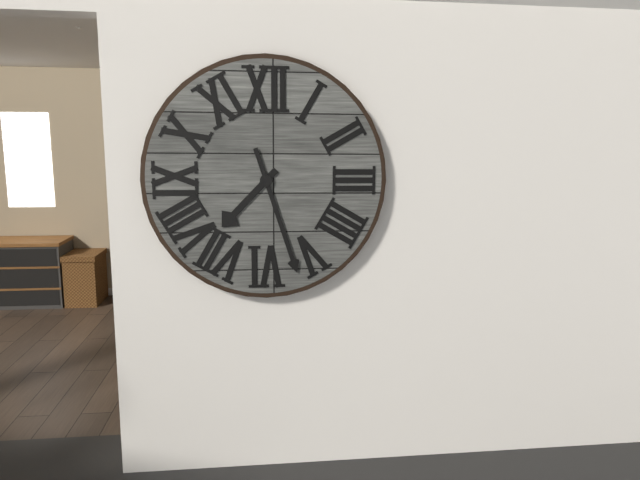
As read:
7.27
